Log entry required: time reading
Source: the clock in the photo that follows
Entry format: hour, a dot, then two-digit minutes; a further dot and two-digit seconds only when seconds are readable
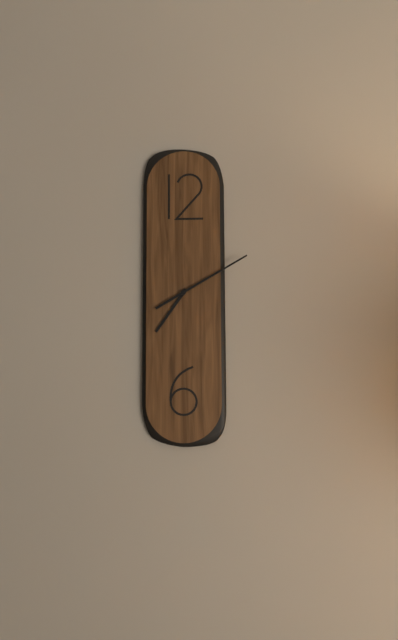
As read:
7.10
